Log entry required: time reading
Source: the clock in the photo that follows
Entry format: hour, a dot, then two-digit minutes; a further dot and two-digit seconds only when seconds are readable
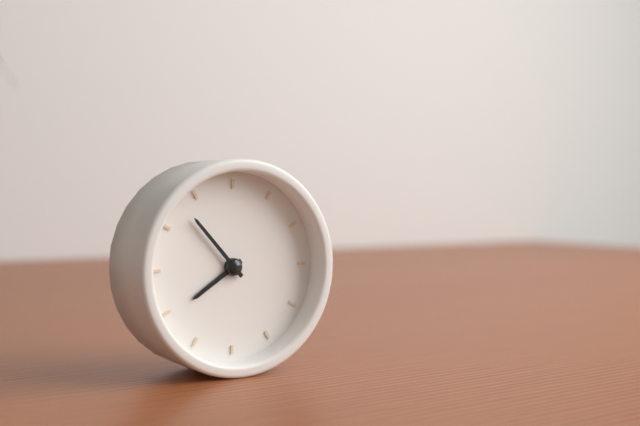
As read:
7.53
